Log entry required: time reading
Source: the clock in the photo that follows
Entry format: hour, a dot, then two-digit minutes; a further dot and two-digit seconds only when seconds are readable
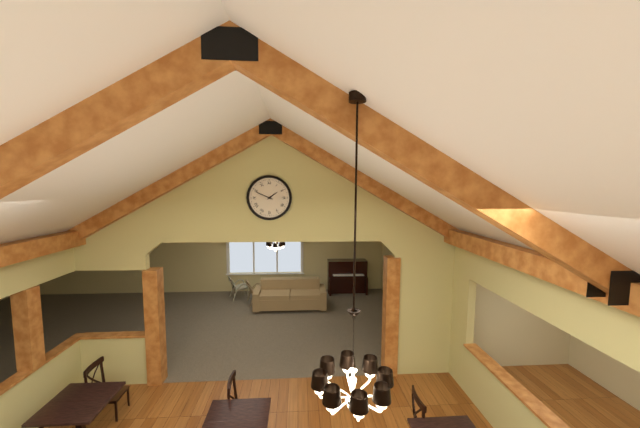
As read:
1.49
